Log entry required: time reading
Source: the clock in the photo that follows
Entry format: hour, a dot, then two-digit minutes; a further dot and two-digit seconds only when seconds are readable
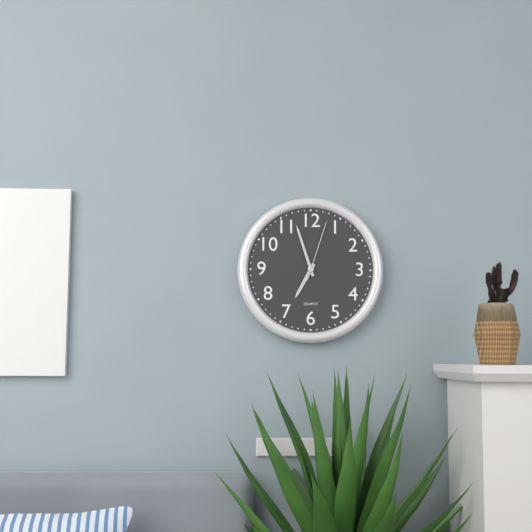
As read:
6.57.03
